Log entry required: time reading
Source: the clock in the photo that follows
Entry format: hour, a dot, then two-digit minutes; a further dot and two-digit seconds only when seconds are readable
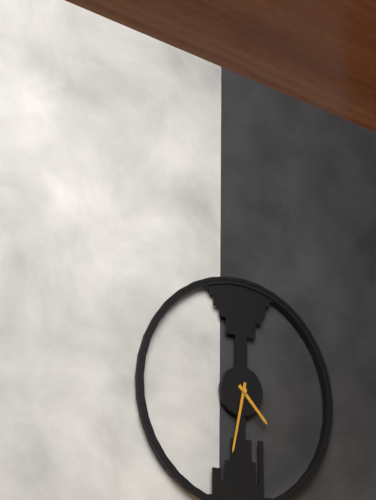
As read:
4.32
